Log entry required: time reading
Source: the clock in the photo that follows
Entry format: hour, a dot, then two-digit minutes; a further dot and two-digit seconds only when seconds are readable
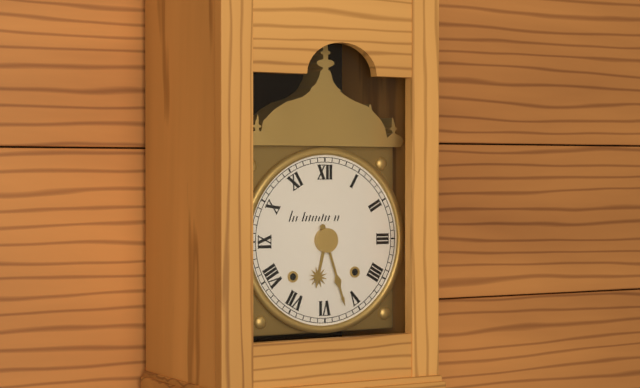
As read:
6.27
